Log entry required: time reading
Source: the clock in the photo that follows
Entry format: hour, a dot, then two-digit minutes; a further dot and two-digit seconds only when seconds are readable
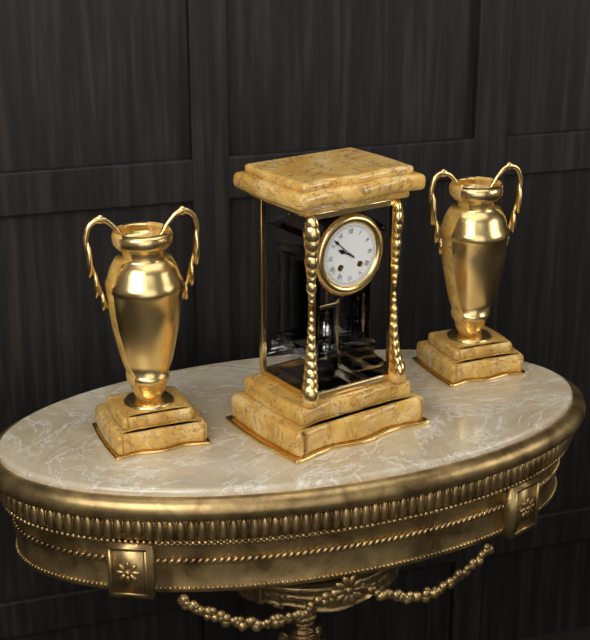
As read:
9.52
